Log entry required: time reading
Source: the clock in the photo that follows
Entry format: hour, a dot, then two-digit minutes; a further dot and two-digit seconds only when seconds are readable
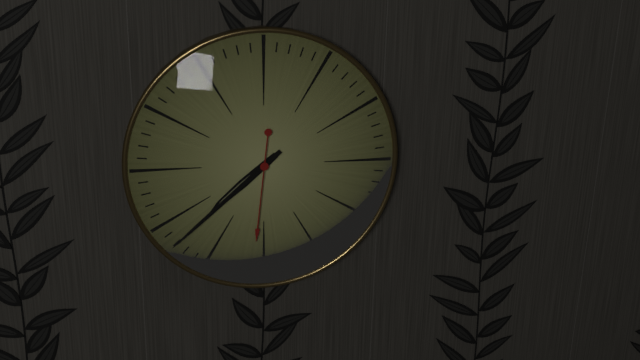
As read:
7.38.31
